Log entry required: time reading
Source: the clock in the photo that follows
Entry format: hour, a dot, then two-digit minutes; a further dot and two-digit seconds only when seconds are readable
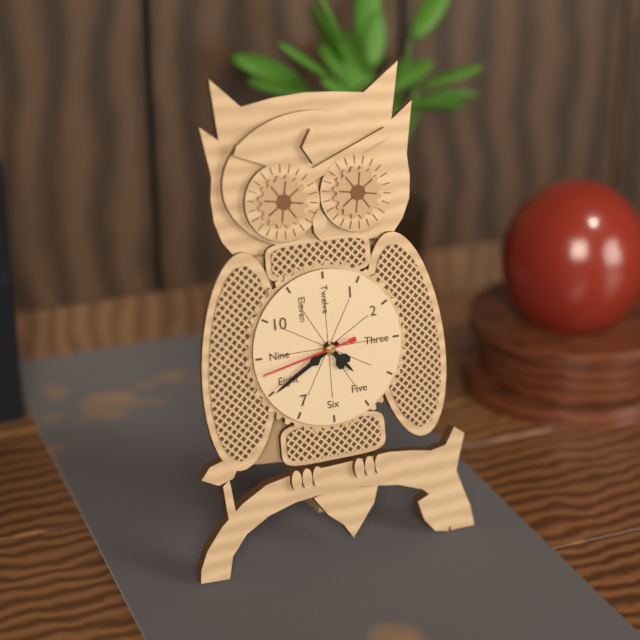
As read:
4.40.43
